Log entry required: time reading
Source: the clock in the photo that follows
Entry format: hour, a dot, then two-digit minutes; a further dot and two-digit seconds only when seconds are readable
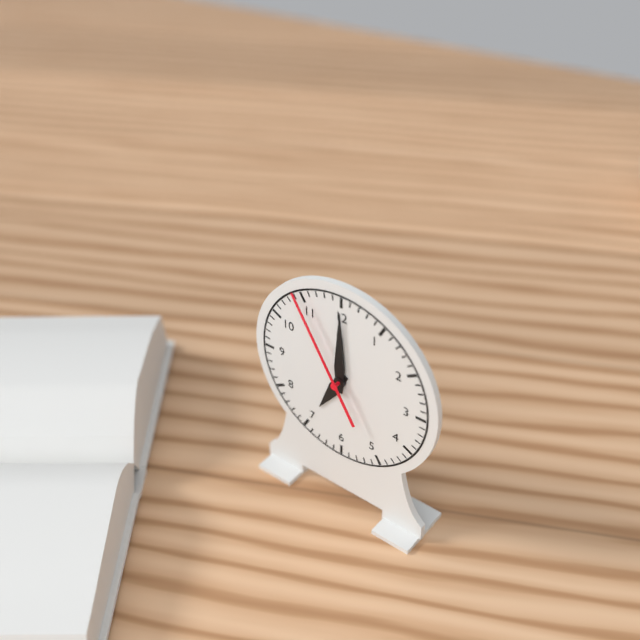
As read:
7.00.55
